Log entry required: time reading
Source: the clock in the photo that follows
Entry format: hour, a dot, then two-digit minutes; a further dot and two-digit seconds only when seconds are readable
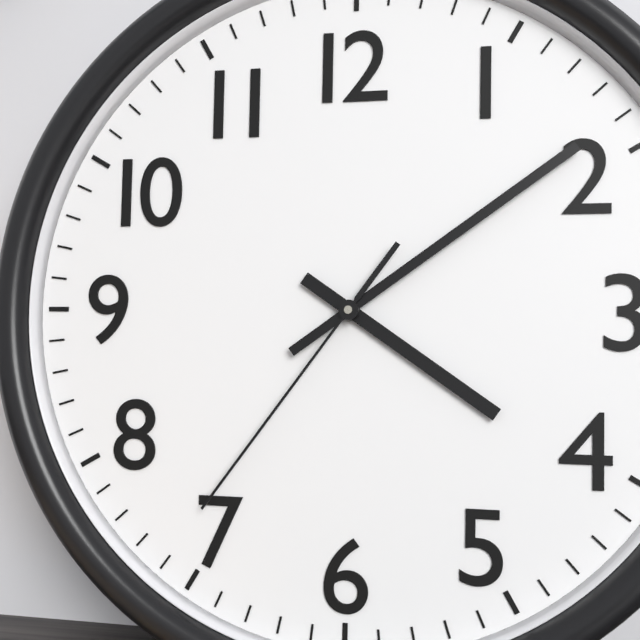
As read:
4.09.36
